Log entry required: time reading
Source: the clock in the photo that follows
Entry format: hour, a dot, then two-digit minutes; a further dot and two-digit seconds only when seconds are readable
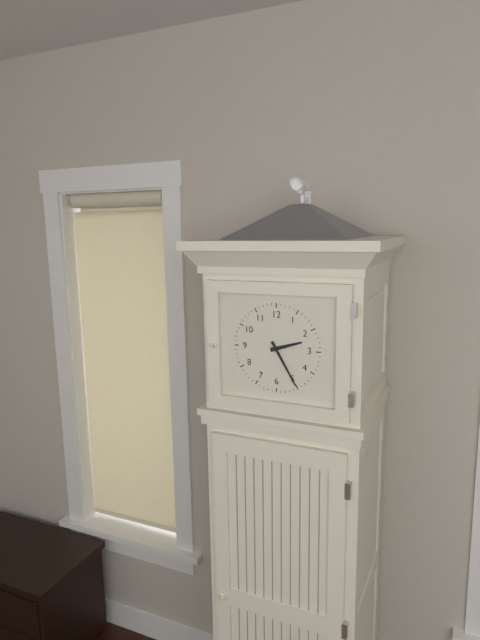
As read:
2.25
